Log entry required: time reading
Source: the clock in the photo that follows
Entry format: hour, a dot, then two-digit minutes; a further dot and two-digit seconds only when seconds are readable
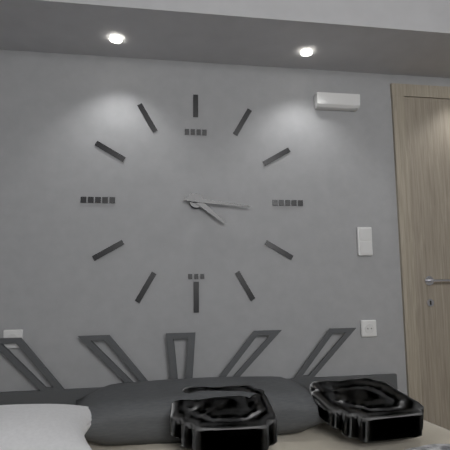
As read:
4.16
